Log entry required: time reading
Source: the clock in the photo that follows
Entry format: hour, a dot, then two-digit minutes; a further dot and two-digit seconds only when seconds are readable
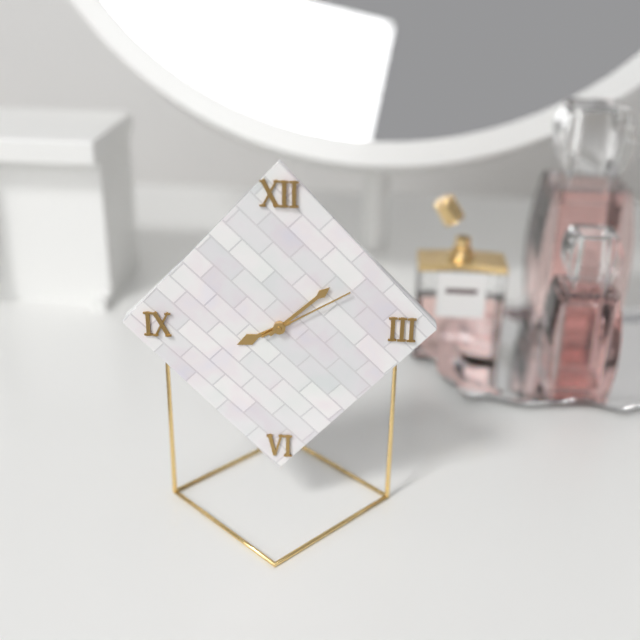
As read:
8.08.10
